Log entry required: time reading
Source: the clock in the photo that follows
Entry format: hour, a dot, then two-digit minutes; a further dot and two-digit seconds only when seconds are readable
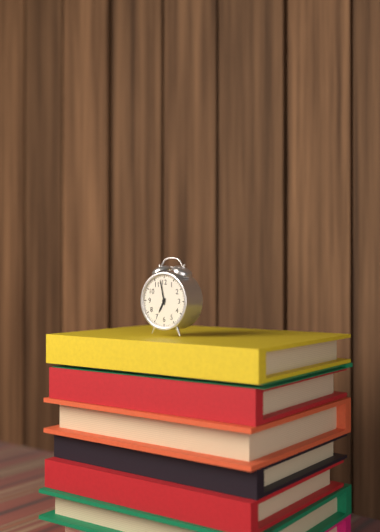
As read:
6.58
